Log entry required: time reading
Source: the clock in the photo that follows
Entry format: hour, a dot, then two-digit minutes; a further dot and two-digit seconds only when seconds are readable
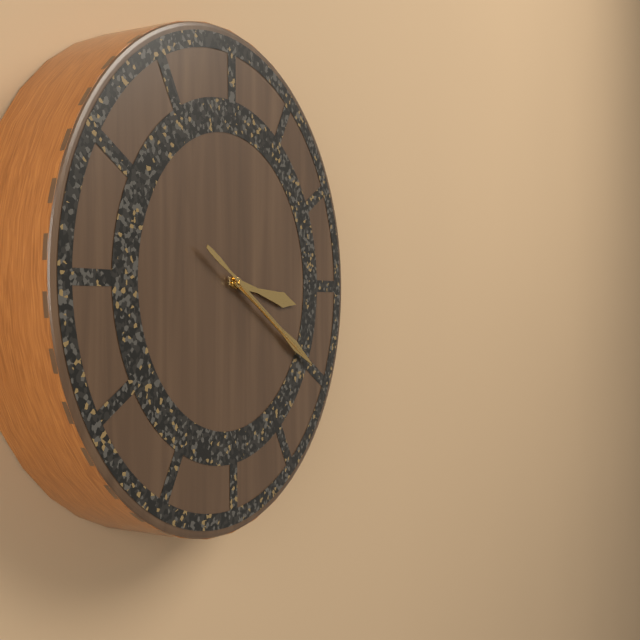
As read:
3.20.20
